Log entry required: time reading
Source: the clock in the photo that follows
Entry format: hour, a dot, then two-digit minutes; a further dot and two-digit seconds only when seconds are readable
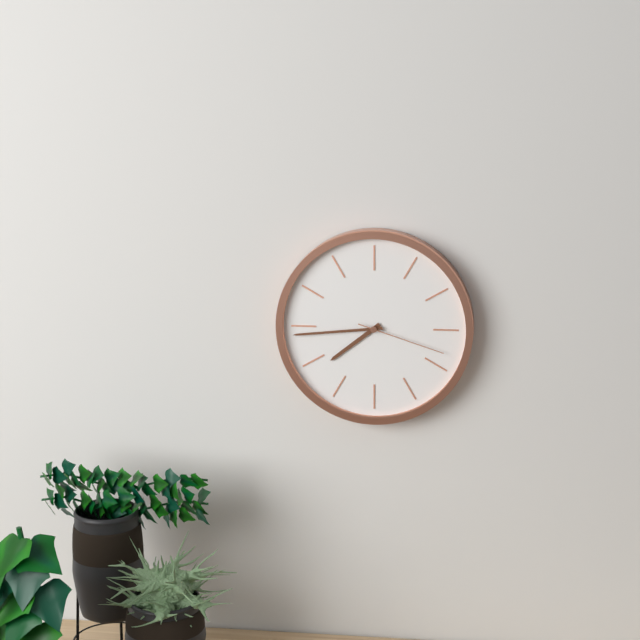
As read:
7.44.18
